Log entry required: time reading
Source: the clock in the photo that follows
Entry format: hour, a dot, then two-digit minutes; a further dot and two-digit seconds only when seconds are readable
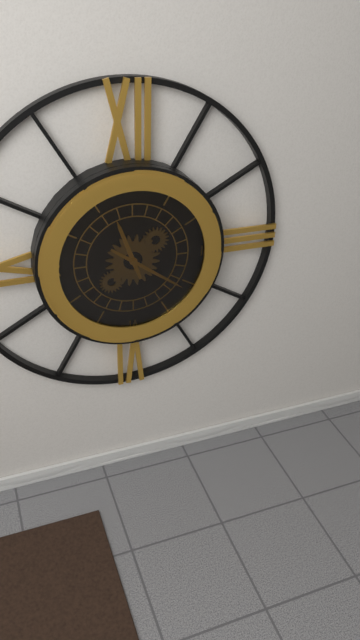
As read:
11.21
